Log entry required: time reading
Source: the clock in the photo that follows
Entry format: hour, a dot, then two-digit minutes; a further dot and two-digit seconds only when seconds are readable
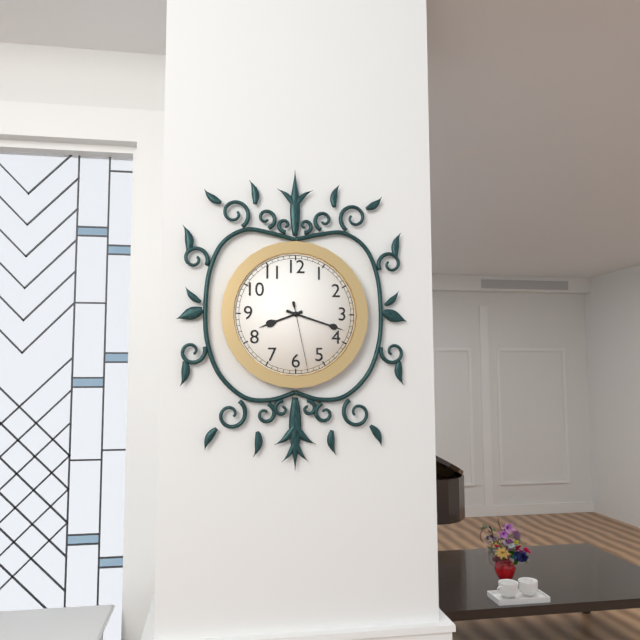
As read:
8.18.28
